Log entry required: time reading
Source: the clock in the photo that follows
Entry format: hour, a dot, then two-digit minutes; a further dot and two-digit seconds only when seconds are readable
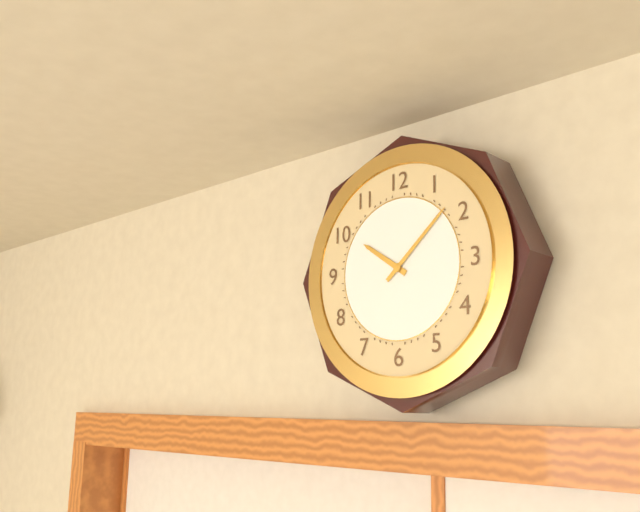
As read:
10.08
